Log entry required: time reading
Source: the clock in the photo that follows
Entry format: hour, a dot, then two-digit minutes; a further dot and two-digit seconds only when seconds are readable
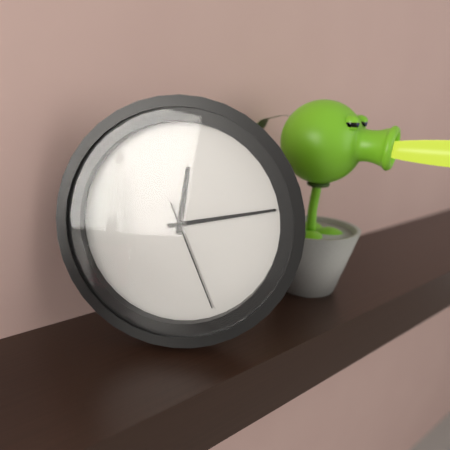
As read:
12.13.26
